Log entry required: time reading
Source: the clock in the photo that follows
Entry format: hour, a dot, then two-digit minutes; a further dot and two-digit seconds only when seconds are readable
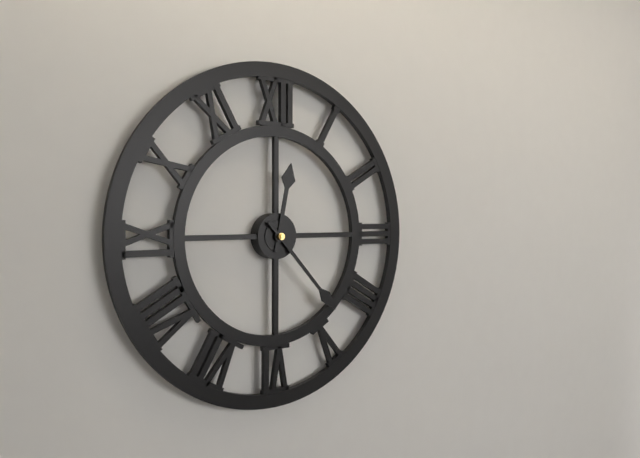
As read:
12.23
